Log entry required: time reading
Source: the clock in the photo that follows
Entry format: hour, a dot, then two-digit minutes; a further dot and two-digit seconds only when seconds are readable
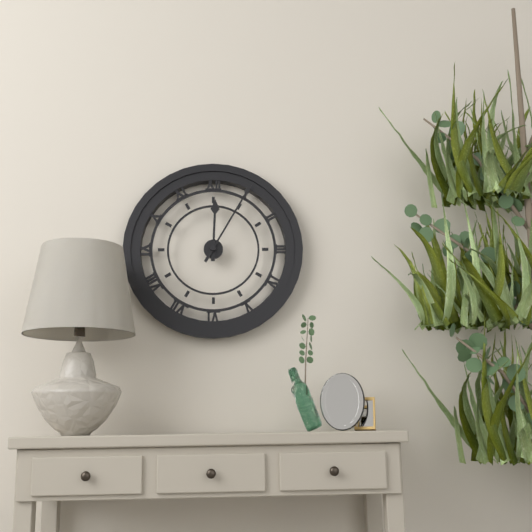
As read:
12.05
